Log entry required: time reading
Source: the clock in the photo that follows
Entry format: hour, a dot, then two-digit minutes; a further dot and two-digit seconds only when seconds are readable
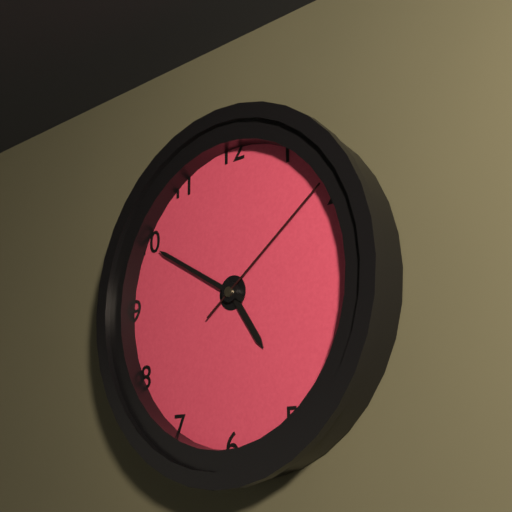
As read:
4.50.09
